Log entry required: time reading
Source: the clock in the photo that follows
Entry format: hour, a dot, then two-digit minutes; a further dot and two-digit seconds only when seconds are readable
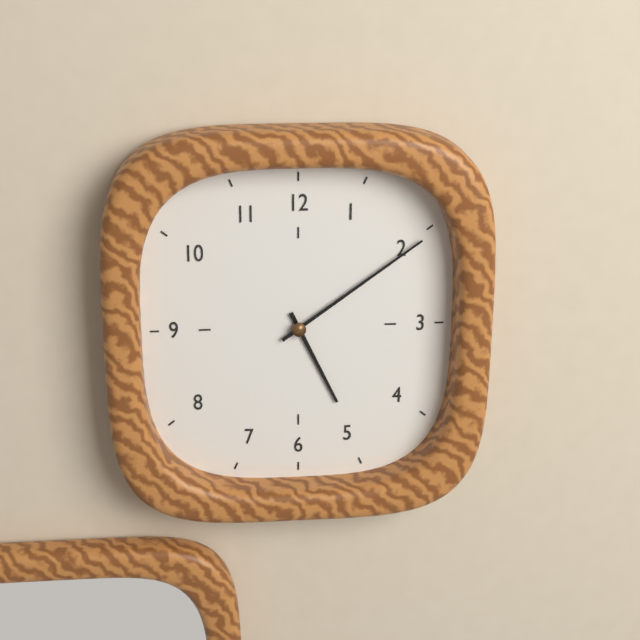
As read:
5.09
